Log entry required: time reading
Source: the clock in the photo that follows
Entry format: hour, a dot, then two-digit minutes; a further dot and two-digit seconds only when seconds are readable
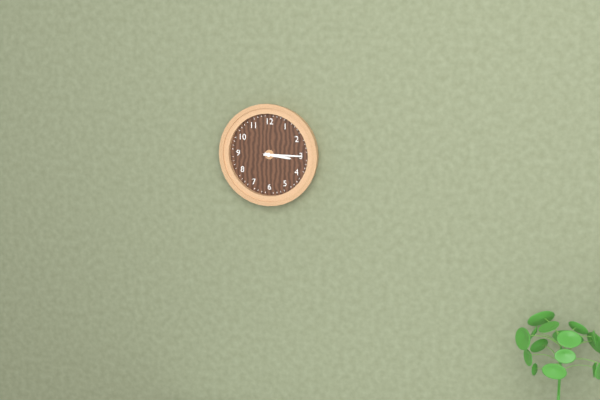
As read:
3.15
